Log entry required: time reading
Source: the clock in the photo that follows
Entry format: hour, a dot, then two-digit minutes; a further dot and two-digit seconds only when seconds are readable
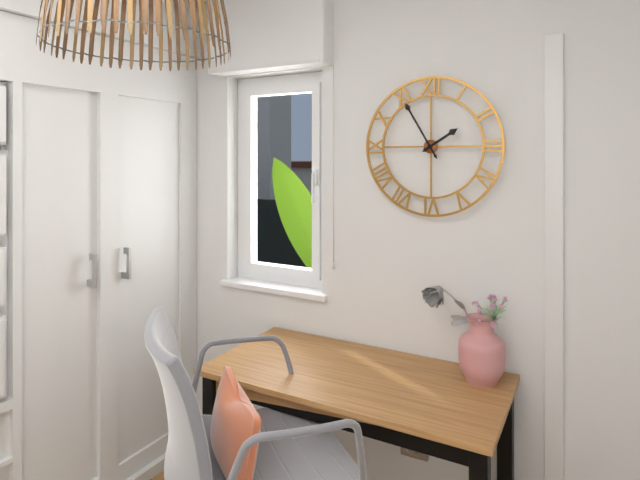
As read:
1.55
